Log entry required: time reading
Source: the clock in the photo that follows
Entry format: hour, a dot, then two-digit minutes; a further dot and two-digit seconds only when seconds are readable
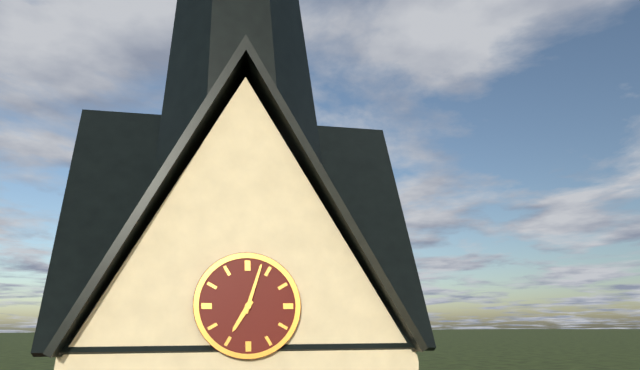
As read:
7.03
